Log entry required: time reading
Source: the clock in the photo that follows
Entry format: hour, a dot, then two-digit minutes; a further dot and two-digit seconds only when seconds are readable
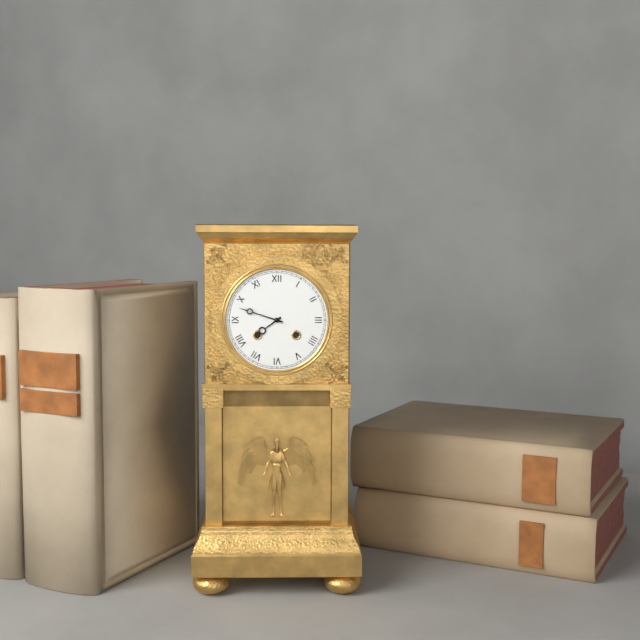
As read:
7.48
